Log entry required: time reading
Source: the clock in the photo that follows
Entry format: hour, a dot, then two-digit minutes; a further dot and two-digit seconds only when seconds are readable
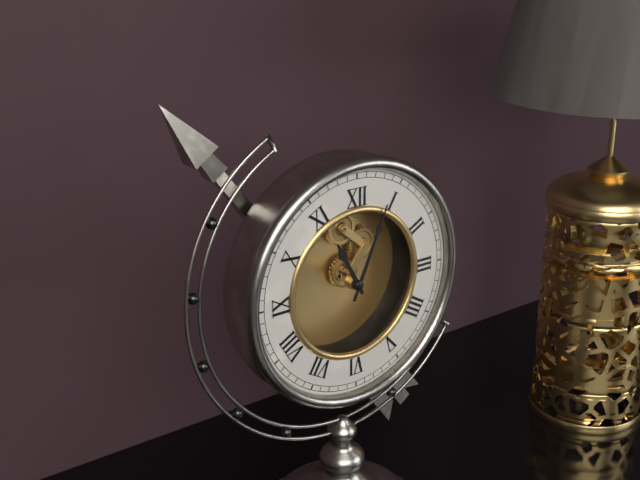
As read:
11.04
